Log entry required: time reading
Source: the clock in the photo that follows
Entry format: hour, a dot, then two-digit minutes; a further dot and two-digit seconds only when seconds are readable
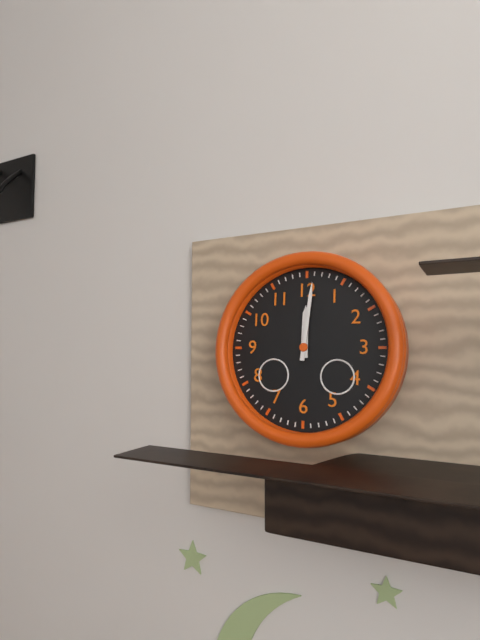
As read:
12.01
